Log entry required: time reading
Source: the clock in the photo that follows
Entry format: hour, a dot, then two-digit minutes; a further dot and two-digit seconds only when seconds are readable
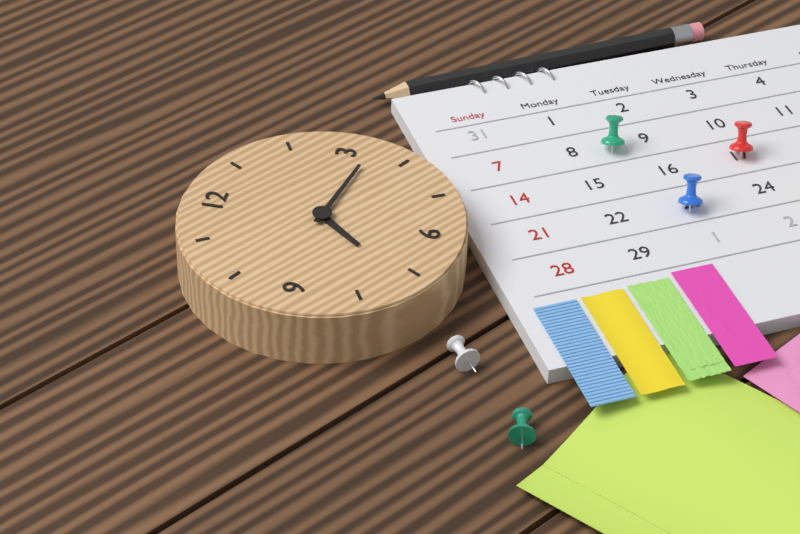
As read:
7.17
